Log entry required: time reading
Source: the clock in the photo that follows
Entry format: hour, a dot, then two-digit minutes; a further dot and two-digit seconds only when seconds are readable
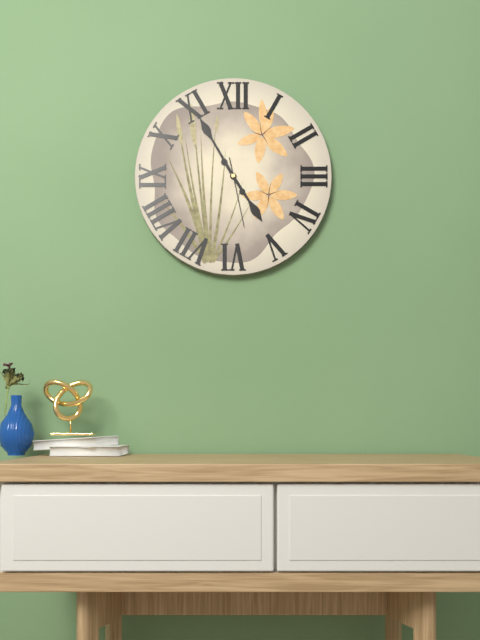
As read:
4.55.28
